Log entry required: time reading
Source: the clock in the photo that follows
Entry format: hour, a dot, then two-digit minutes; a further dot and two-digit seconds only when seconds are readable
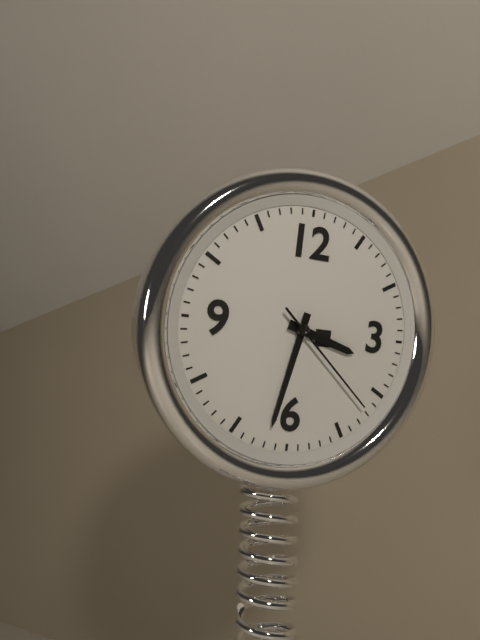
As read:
3.32.22
